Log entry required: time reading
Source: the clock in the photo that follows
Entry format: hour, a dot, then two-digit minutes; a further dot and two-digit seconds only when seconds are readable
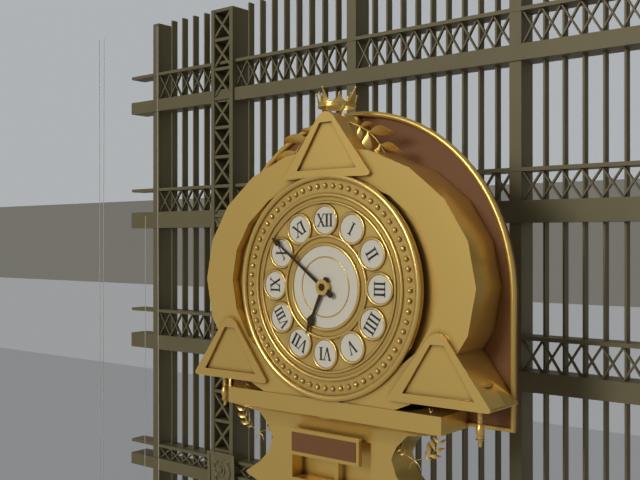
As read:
6.51
